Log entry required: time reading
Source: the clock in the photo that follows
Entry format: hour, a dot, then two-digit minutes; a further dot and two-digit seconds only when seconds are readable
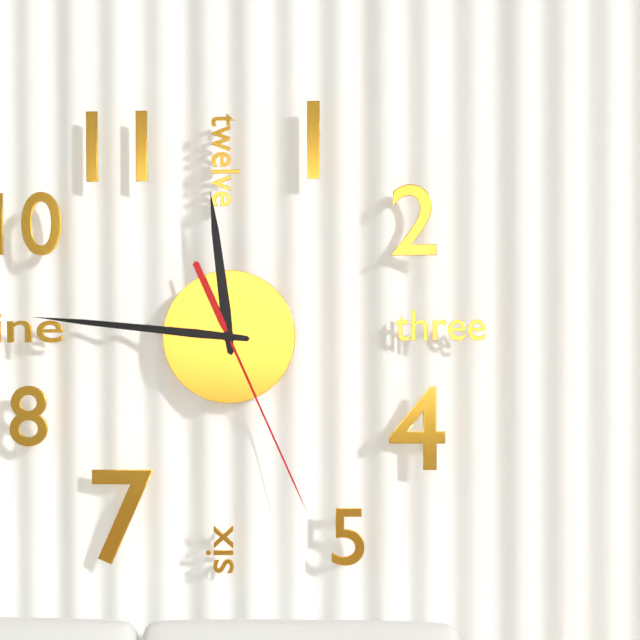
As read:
11.46.26
